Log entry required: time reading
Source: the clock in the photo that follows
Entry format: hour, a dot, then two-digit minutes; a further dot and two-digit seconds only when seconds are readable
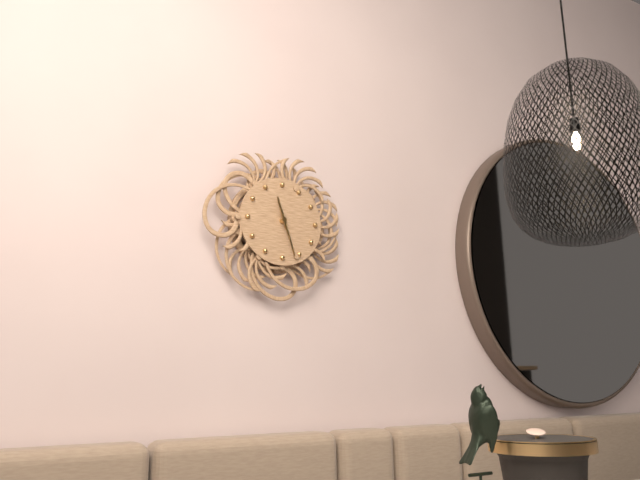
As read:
11.27
